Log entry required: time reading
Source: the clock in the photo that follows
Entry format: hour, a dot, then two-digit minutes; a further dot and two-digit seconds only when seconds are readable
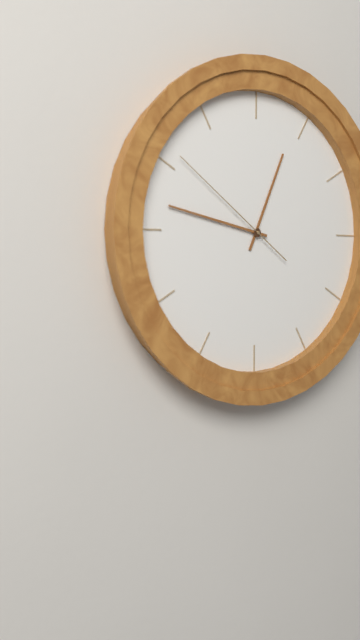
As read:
12.47.51
